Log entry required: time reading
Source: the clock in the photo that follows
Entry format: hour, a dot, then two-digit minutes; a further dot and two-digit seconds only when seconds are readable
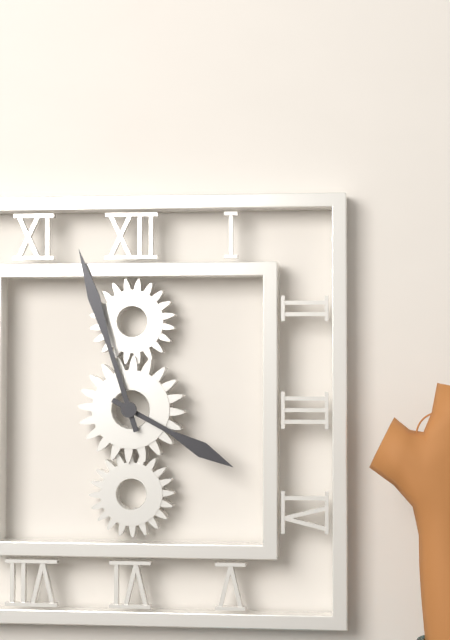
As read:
3.57
